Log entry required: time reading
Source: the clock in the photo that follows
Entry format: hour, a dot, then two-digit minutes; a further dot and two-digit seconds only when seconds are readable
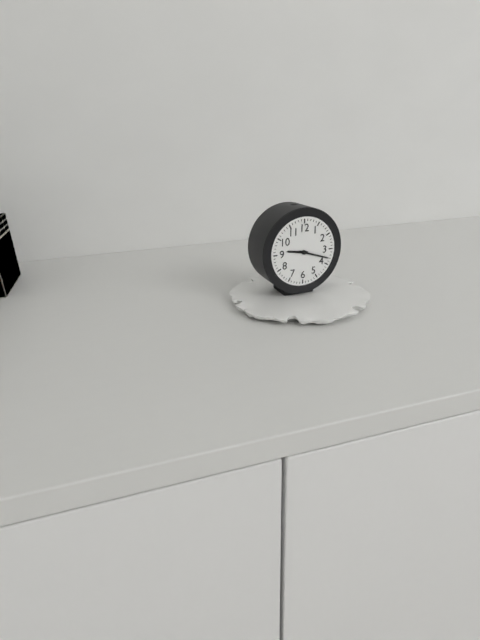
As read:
9.18
